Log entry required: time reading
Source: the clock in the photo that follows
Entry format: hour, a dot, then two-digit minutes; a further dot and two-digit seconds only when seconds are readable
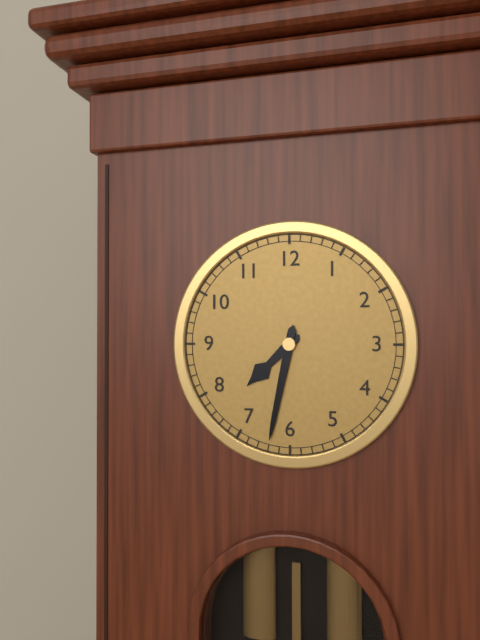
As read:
7.32
